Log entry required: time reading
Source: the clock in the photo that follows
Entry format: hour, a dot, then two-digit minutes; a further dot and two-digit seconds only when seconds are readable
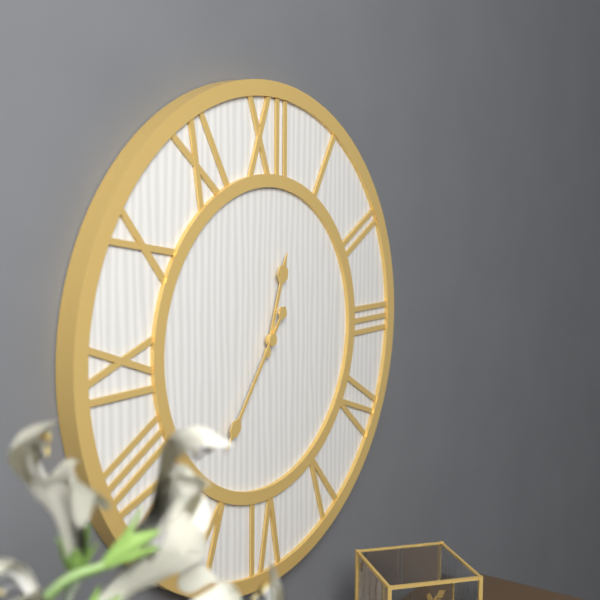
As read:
12.36
